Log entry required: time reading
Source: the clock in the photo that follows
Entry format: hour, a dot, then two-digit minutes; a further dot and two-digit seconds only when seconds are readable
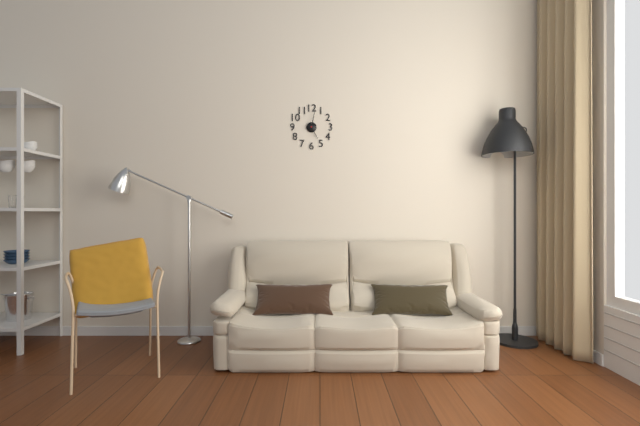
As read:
5.02
